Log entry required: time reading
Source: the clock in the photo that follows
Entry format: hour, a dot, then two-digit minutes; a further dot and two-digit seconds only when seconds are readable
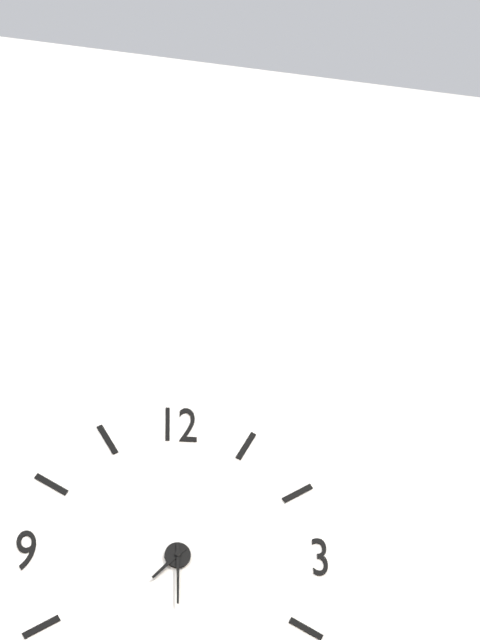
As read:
7.30
